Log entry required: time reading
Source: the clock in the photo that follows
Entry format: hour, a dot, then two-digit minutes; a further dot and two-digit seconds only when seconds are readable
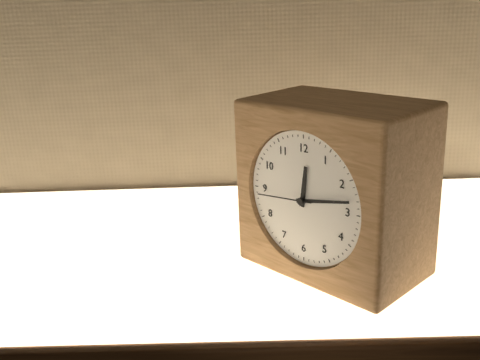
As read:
12.13.44
